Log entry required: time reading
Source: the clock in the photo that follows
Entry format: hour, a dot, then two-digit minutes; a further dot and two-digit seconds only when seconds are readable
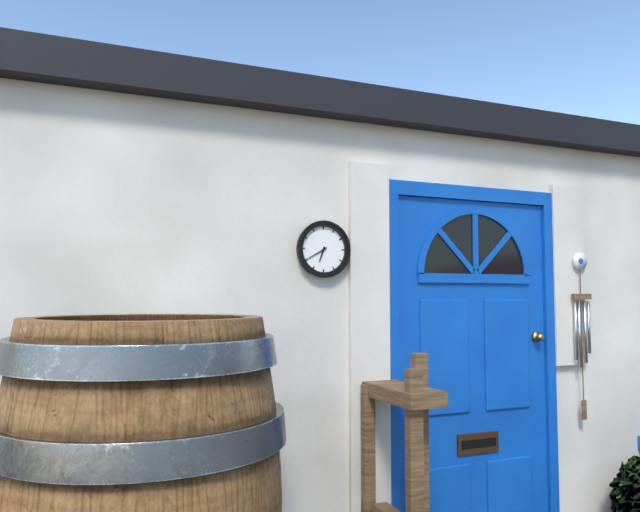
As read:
6.40
